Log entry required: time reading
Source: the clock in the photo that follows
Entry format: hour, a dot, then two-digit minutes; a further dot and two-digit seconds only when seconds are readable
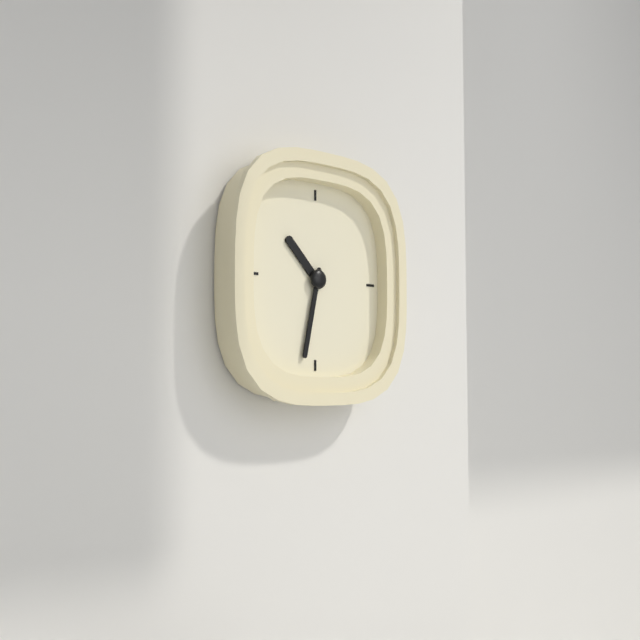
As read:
10.32
